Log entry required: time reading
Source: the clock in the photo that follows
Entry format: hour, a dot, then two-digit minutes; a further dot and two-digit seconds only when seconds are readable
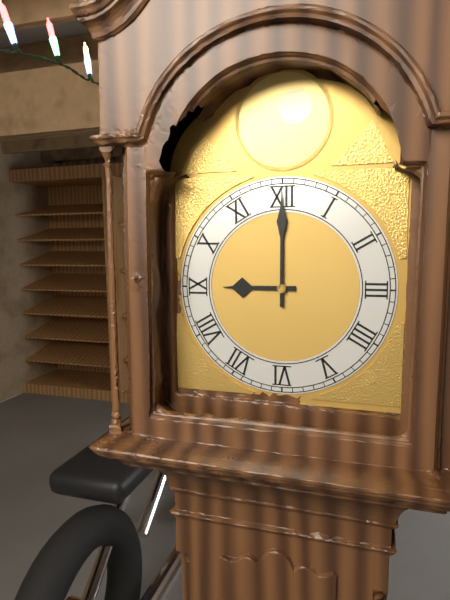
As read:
9.00
